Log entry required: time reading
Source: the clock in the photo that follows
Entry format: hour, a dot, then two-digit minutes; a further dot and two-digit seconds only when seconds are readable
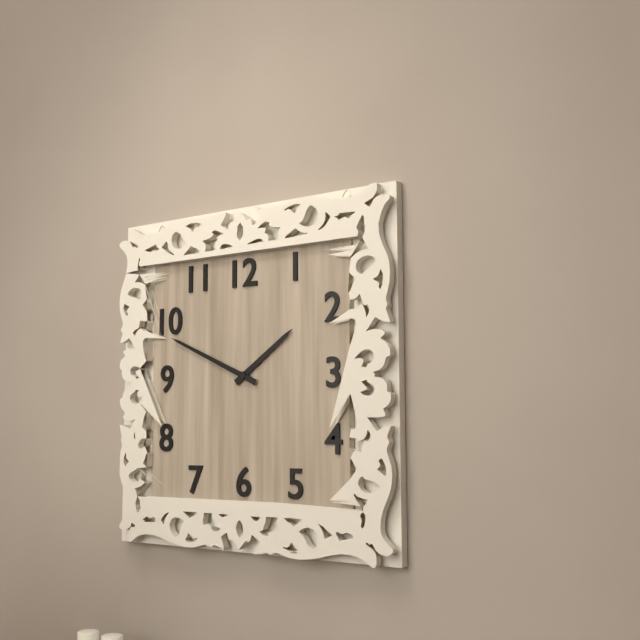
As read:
1.49
